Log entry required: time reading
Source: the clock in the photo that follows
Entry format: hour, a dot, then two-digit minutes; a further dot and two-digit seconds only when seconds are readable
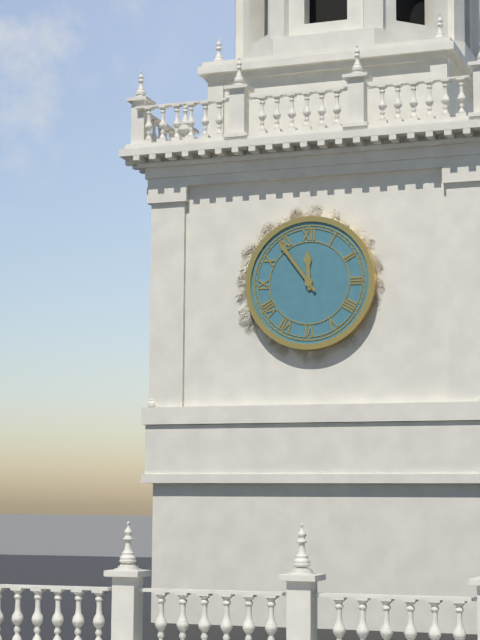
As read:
11.54
